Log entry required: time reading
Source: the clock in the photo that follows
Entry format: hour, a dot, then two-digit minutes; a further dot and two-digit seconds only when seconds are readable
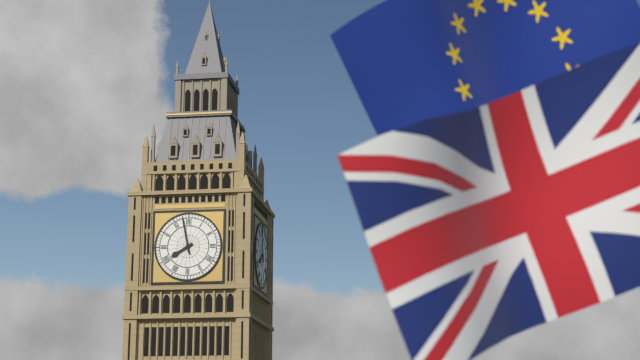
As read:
7.58
